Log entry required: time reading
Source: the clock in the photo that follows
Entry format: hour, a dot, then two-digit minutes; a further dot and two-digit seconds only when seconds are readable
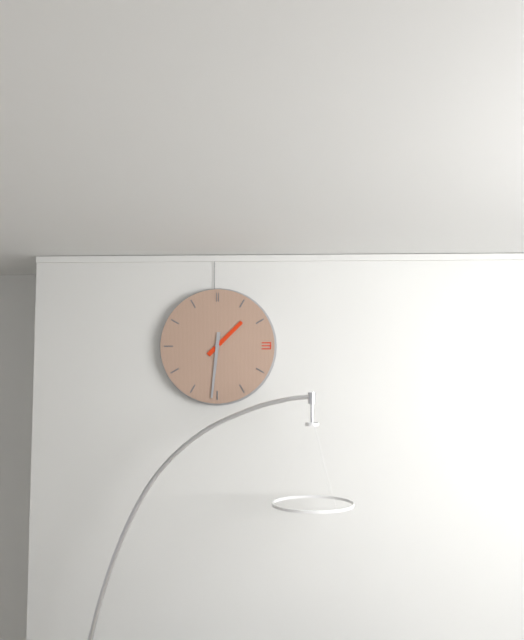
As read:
1.31
